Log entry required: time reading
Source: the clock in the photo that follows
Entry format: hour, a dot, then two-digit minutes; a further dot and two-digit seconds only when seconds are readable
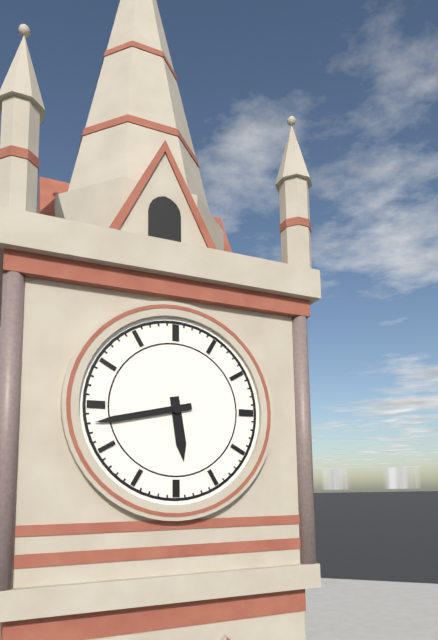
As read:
5.43
